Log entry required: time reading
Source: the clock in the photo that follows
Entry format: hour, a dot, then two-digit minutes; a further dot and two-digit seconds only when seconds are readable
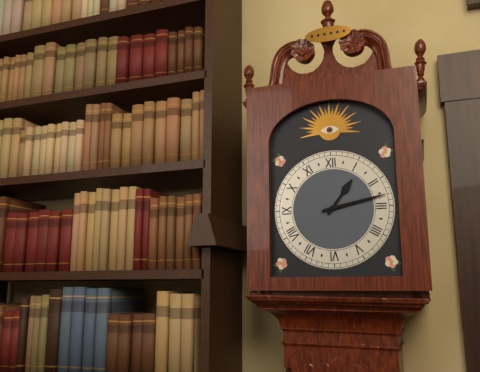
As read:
1.13
